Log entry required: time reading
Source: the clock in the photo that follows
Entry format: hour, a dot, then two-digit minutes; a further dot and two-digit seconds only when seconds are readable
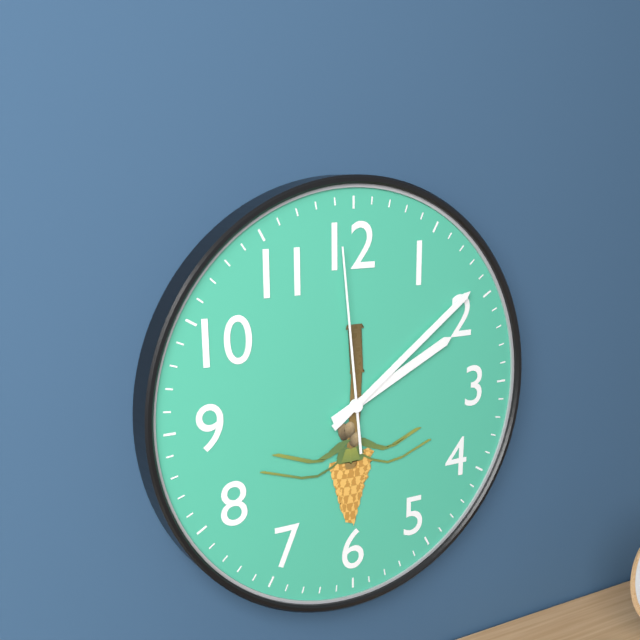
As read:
2.09.59
